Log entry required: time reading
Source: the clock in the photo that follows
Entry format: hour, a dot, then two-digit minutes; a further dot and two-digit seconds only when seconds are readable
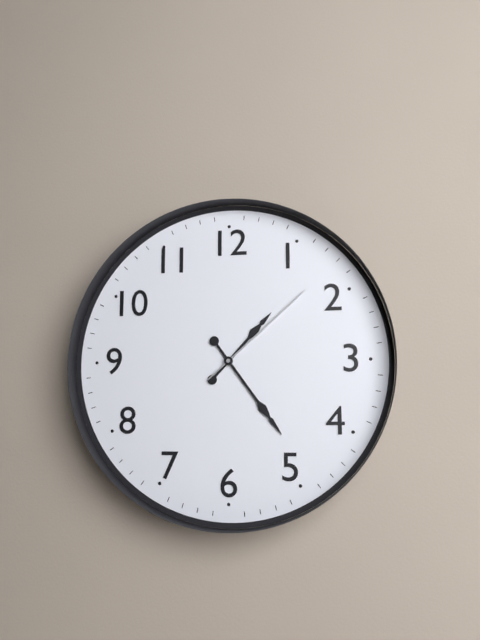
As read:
1.24.08
